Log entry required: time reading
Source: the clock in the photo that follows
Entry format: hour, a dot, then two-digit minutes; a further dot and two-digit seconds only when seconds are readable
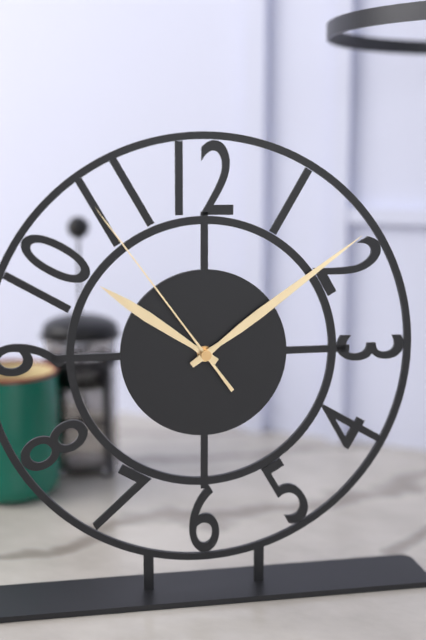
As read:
10.09.54
